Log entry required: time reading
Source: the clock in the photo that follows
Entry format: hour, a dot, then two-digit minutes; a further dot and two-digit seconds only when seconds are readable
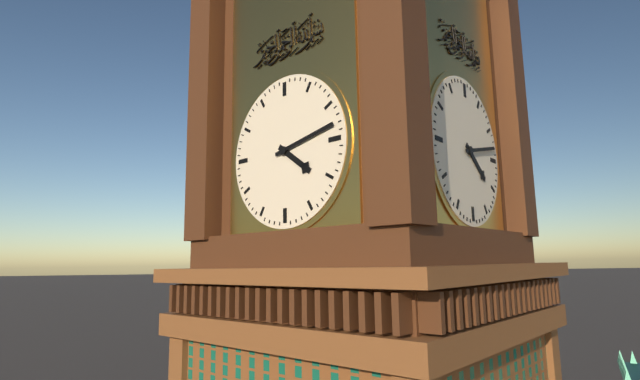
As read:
4.13
